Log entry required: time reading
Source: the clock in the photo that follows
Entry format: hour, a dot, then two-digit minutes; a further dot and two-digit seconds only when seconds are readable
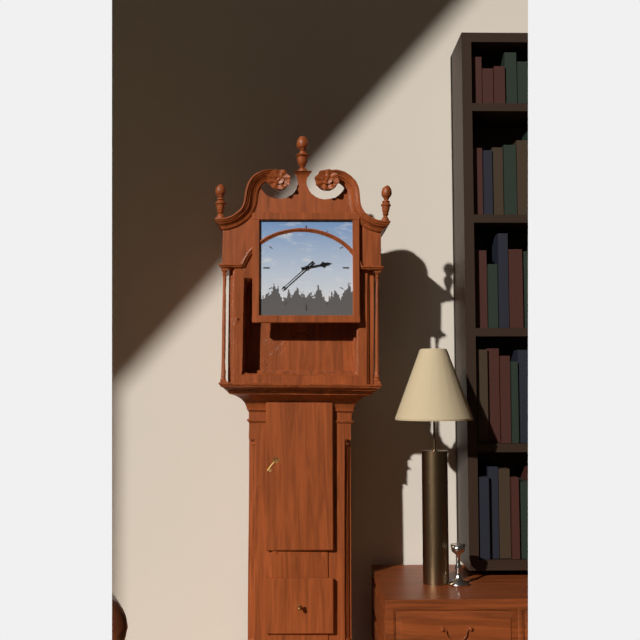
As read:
2.38
